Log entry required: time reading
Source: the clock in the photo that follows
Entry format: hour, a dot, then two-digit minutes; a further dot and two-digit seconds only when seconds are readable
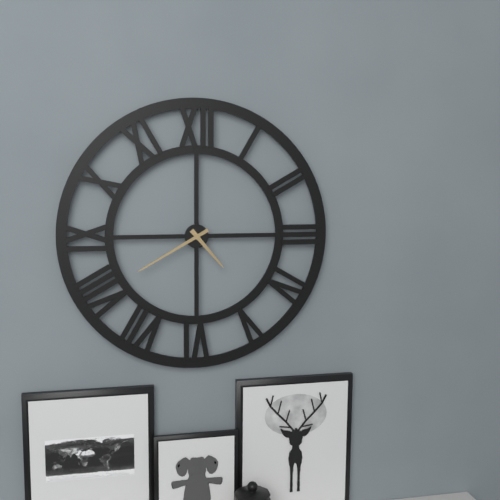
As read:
4.40
